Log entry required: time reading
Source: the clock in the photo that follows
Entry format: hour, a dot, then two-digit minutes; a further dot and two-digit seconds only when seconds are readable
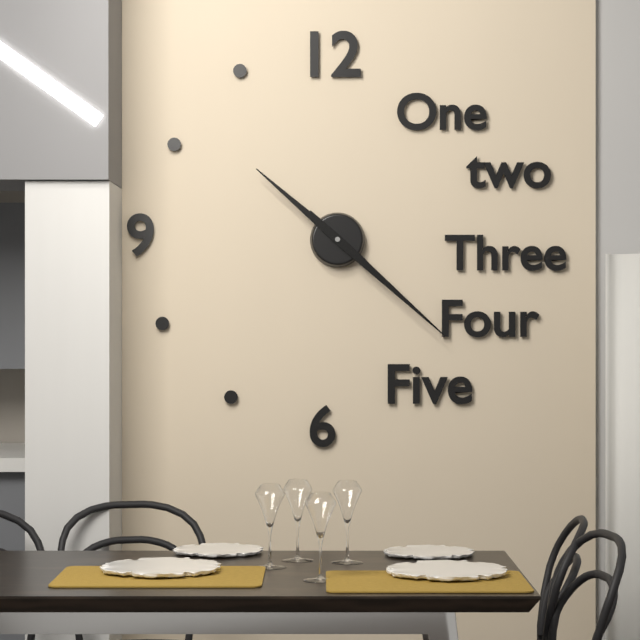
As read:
10.22
